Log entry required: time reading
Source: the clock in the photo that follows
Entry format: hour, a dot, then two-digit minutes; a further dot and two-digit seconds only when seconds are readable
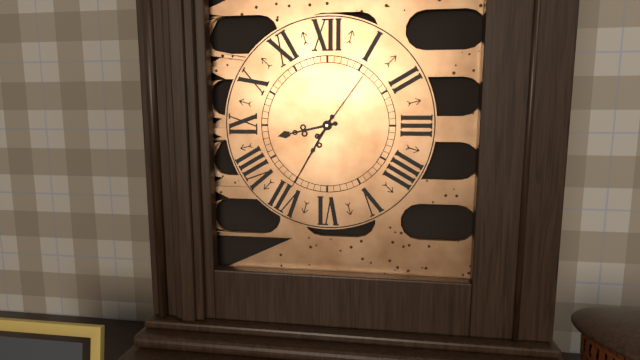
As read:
8.35.06
